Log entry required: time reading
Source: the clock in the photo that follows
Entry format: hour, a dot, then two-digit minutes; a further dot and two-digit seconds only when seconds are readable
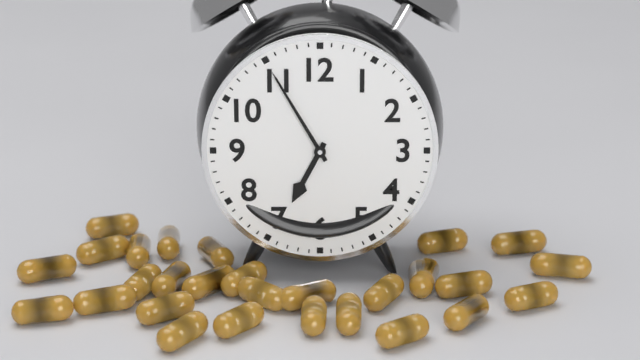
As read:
6.55
